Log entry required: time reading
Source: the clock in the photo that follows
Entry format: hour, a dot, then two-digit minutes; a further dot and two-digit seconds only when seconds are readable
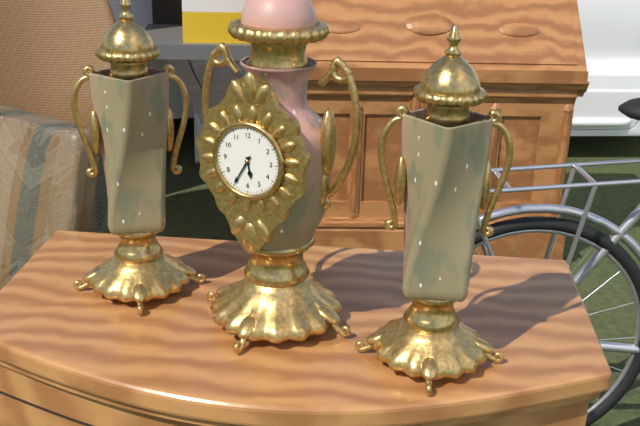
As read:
5.35
